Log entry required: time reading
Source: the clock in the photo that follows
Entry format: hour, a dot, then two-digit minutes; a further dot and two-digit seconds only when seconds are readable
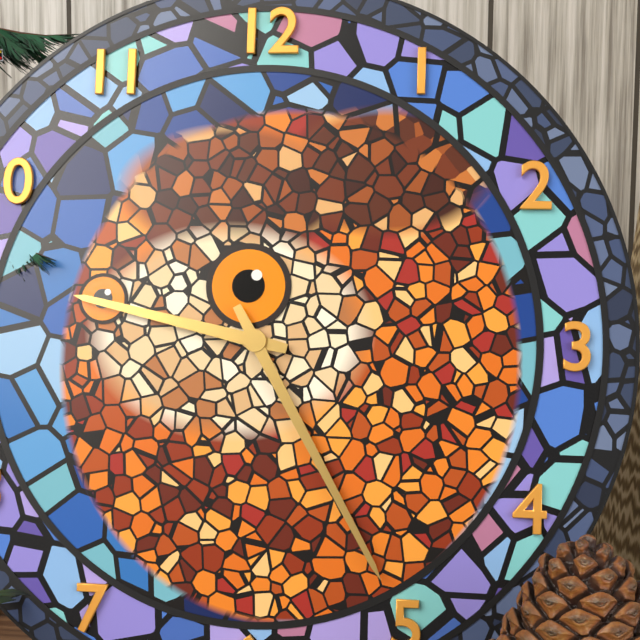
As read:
9.25
